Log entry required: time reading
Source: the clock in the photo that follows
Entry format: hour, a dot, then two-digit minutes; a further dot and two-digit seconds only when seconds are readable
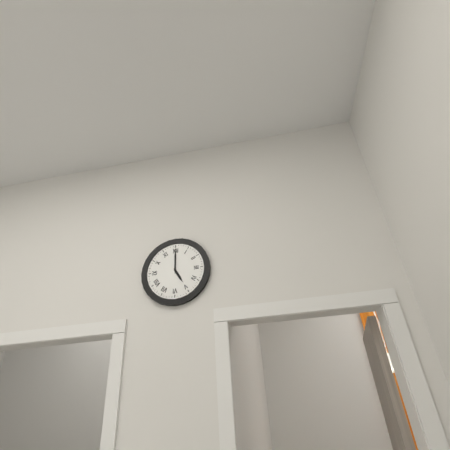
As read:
5.00
